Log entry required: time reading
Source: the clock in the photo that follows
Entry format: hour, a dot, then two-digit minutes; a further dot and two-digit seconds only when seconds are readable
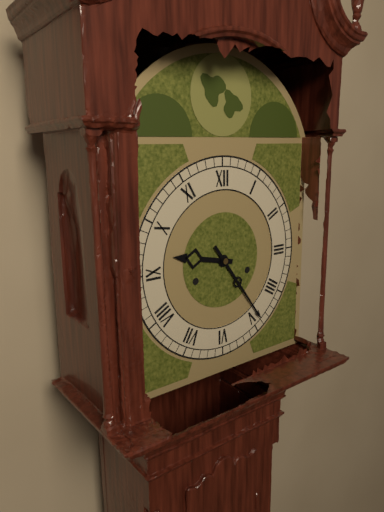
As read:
9.24
